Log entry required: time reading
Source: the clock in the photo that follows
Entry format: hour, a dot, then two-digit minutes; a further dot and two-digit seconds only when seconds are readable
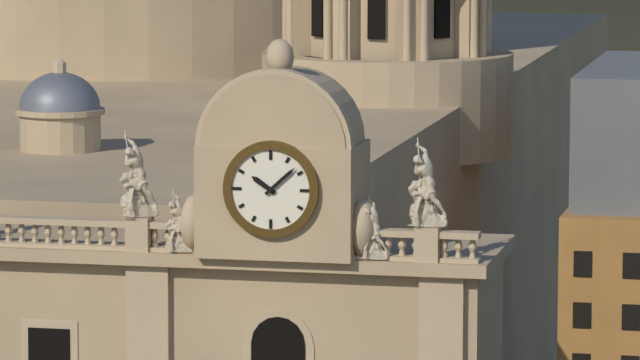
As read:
10.08
